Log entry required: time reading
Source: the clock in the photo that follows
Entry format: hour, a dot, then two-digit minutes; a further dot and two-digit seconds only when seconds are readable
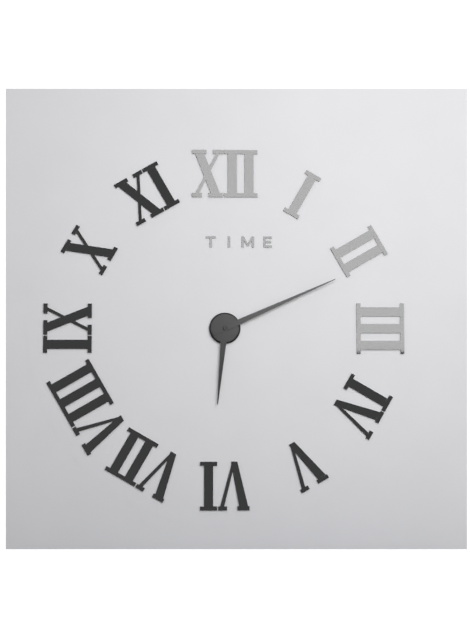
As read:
6.11
